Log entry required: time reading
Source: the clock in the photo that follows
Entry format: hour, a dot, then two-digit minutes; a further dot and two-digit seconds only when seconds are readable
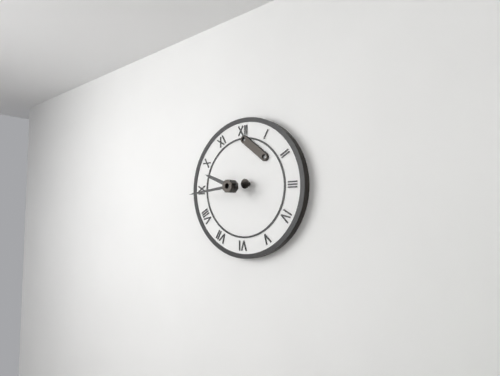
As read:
9.44
